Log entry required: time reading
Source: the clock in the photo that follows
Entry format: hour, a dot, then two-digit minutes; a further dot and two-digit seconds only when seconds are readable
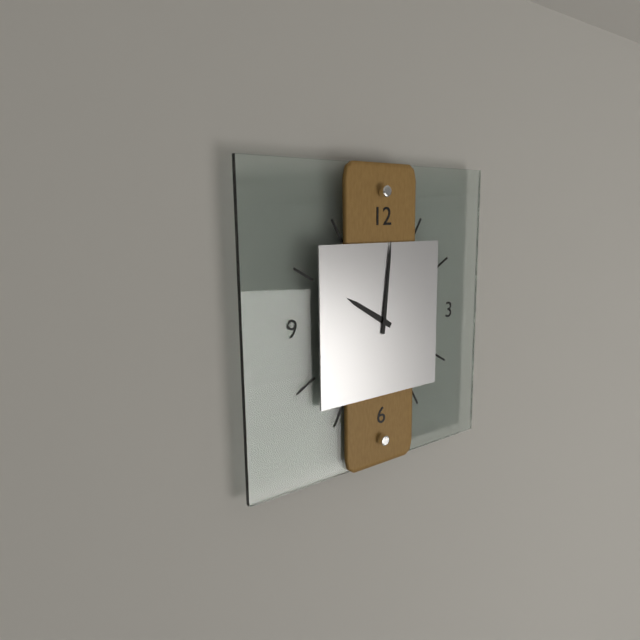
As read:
10.01
